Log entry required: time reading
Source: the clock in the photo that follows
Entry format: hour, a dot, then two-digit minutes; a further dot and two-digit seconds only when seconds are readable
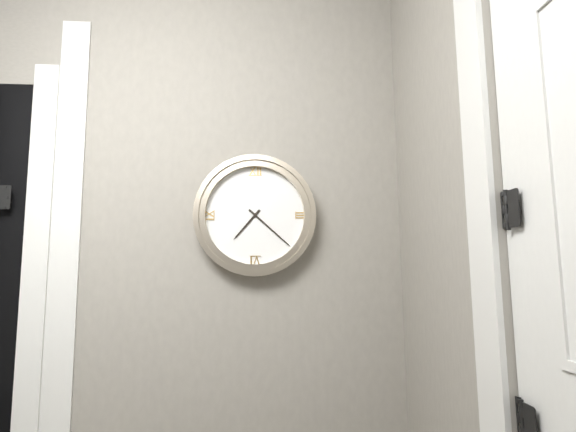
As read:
7.22
